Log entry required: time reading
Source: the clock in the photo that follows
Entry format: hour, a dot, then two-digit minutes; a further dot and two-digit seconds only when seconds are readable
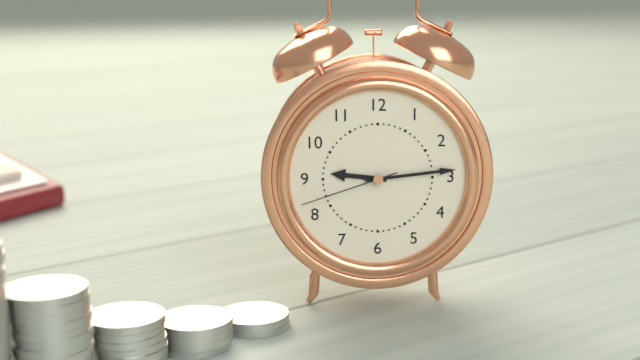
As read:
9.14.42
